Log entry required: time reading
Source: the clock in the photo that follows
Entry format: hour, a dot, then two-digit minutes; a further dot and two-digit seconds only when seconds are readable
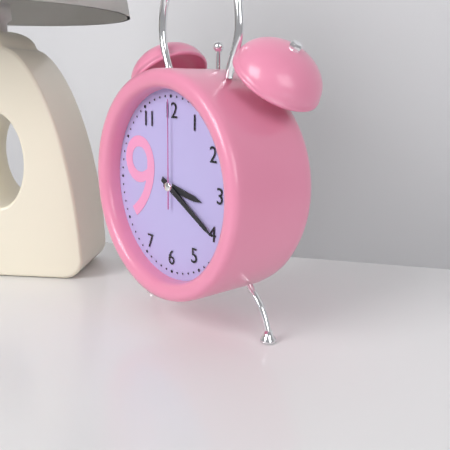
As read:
3.20.00
